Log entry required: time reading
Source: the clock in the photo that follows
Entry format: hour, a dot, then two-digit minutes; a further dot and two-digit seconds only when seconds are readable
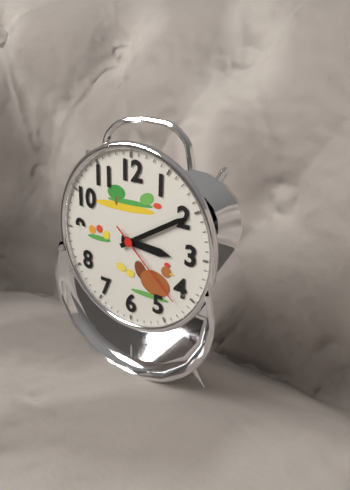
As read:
3.10.22
